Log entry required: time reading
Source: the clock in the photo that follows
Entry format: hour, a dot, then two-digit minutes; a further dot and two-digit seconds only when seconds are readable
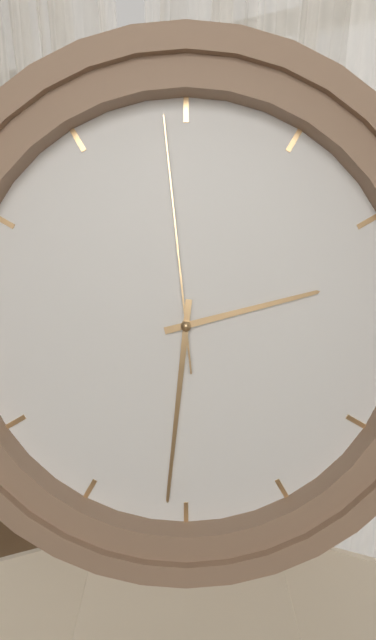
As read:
2.31.59
